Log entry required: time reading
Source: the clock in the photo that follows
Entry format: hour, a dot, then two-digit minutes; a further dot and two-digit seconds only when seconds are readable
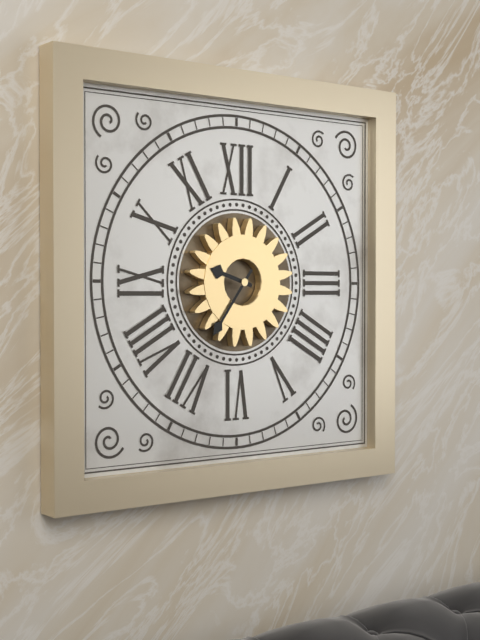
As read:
9.36
